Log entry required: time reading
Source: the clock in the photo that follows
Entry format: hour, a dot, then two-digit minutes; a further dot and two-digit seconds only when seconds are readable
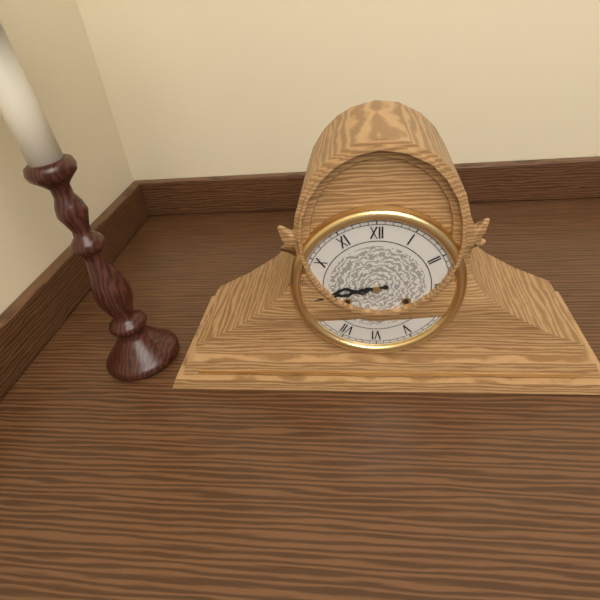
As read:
8.43
